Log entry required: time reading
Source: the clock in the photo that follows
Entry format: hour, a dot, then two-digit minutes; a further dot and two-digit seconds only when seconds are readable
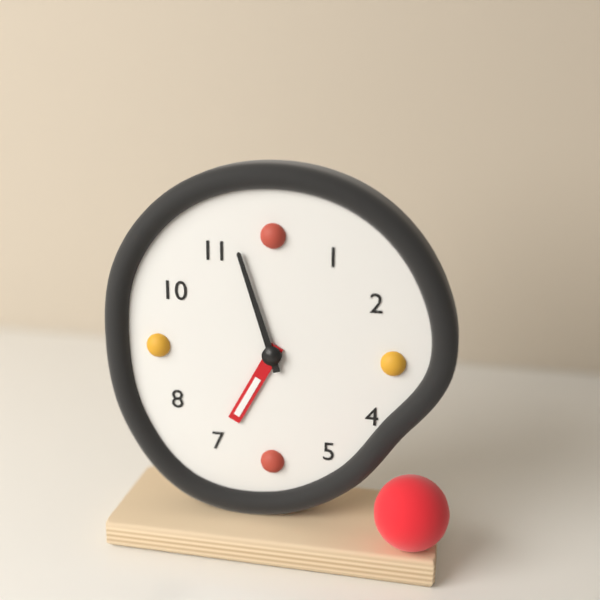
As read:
6.57
